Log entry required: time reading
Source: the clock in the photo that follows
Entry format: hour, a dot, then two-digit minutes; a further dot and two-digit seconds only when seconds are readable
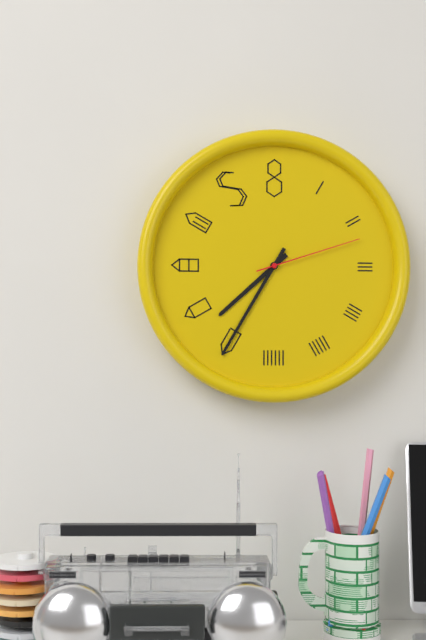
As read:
7.35.12
